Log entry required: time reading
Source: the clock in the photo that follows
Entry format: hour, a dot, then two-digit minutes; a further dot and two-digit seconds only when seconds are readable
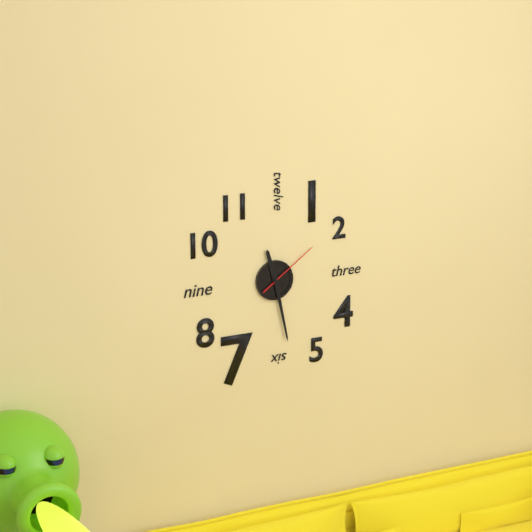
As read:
11.28.09
